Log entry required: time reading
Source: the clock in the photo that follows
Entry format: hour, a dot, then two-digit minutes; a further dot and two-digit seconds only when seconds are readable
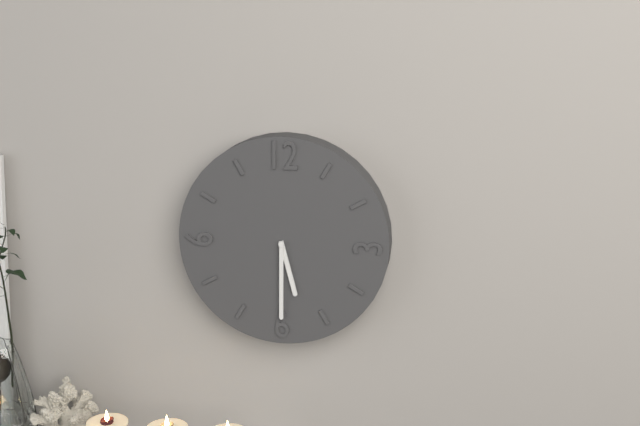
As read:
5.30
